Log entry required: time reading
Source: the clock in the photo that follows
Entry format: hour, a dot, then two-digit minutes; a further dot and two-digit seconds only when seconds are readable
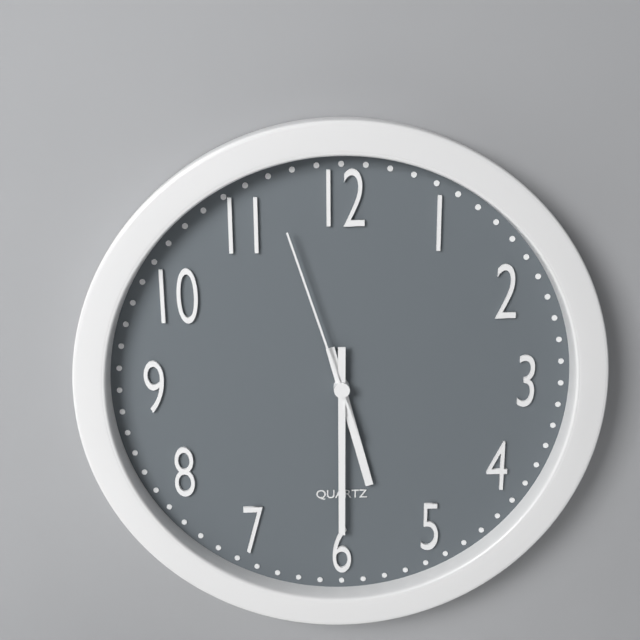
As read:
5.30.57
